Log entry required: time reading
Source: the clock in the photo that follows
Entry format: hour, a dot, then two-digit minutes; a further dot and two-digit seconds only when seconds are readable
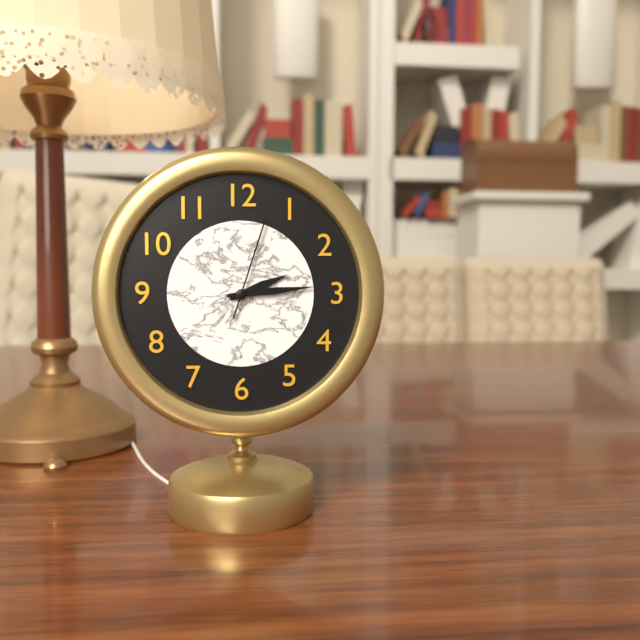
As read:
2.14.03
